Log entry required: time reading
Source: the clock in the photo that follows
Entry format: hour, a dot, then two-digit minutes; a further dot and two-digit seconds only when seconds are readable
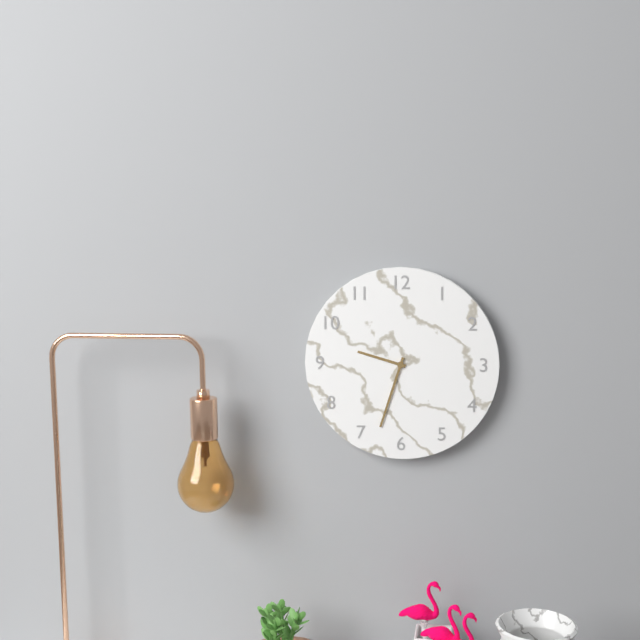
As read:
9.33
